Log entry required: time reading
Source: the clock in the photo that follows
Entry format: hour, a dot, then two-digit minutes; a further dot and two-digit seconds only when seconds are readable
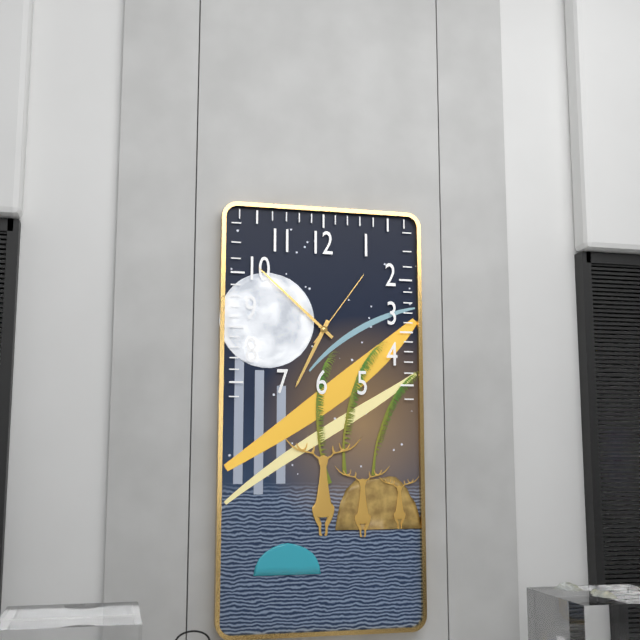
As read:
6.52.06
